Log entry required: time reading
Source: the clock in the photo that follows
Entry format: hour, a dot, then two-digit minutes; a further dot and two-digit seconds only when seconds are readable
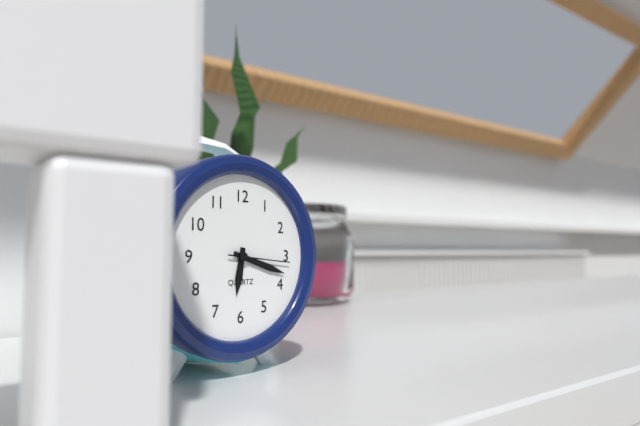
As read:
6.18.16
